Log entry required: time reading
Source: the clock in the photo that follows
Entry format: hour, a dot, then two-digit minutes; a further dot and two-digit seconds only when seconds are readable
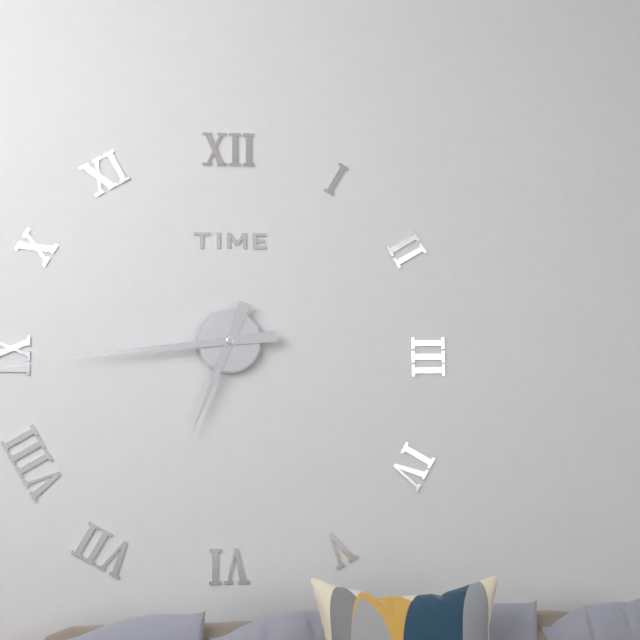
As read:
6.44
